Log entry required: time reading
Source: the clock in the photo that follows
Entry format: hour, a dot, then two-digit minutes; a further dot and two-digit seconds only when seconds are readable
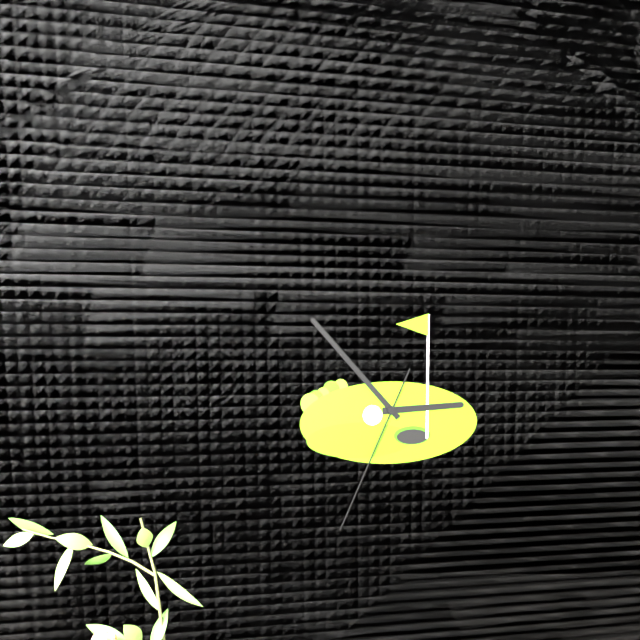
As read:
2.53.34
